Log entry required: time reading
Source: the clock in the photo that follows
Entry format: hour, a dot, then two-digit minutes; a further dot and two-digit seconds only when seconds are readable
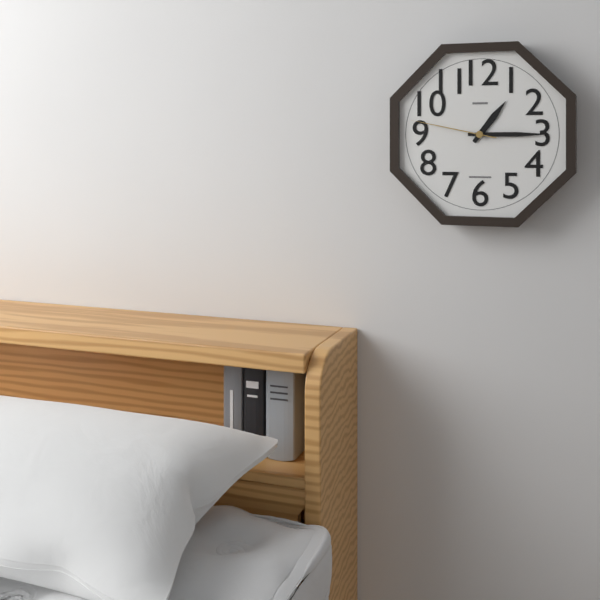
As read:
1.15.47
